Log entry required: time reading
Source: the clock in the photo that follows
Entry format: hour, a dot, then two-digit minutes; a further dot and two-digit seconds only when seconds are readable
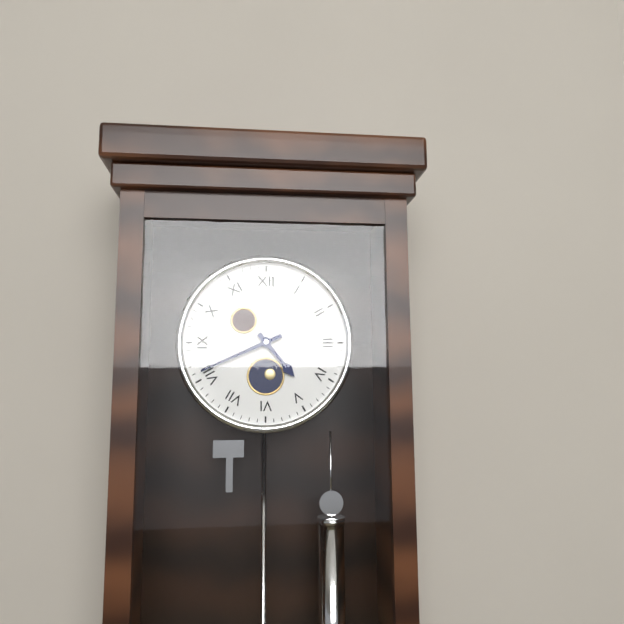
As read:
4.41
